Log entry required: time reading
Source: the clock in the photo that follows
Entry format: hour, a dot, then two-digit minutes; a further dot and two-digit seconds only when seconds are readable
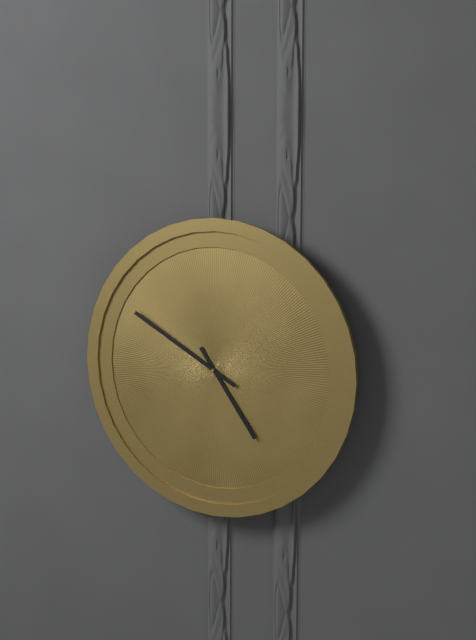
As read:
4.50
